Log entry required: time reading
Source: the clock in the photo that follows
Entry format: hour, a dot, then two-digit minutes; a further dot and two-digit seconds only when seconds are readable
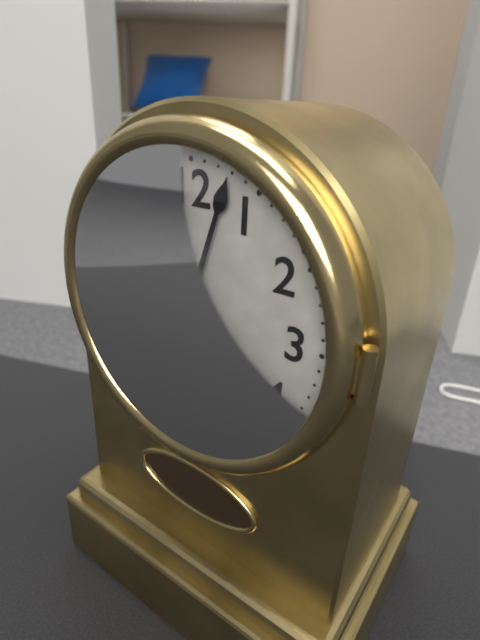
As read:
9.03
